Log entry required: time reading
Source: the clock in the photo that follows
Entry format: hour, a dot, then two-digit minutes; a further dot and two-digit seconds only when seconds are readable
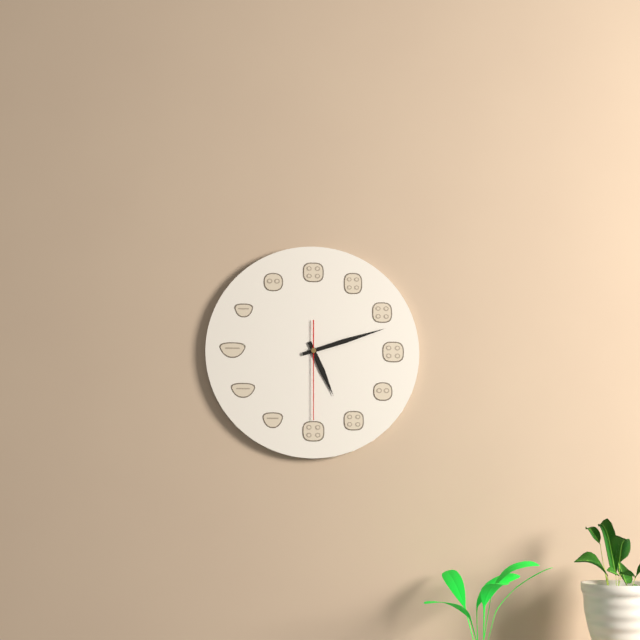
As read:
5.12.30
